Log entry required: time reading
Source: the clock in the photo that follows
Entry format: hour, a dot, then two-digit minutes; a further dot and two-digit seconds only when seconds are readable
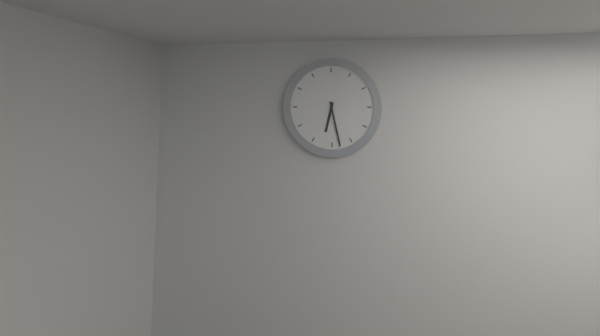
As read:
6.28
